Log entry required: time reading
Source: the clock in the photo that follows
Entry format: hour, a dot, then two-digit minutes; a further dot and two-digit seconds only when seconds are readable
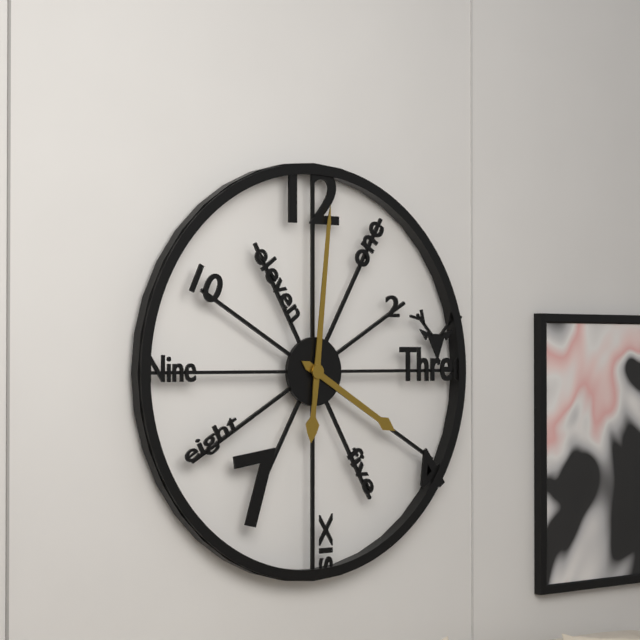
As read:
4.01
